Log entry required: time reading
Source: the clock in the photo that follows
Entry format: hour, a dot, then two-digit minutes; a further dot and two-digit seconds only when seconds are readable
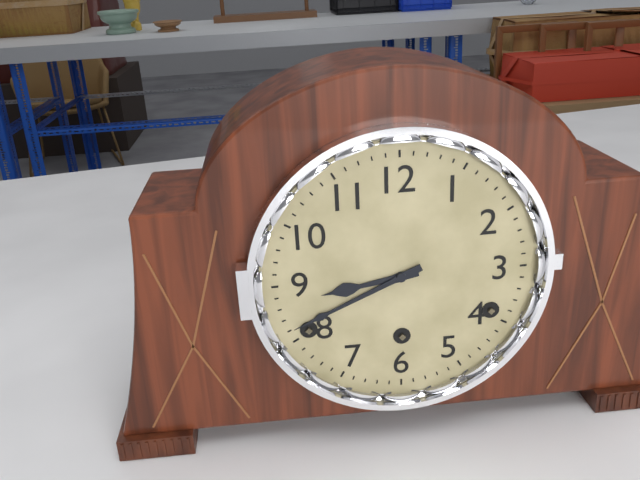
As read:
8.41
